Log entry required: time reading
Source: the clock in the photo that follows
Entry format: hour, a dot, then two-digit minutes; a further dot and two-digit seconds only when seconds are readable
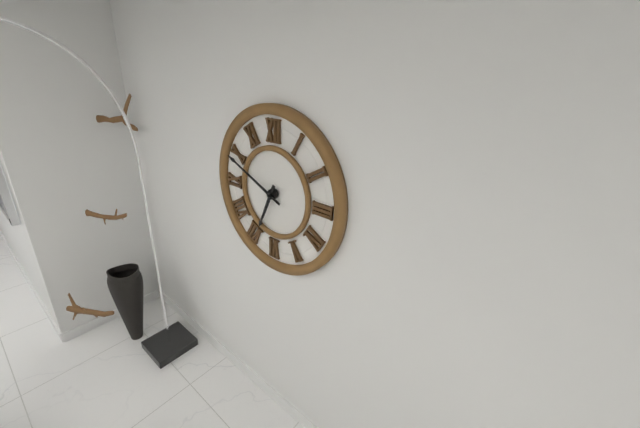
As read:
6.49
